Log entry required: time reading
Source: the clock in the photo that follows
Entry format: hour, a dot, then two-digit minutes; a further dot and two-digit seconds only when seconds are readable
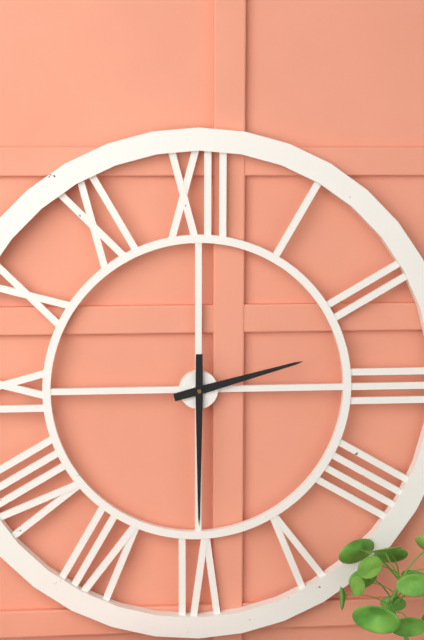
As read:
2.30
